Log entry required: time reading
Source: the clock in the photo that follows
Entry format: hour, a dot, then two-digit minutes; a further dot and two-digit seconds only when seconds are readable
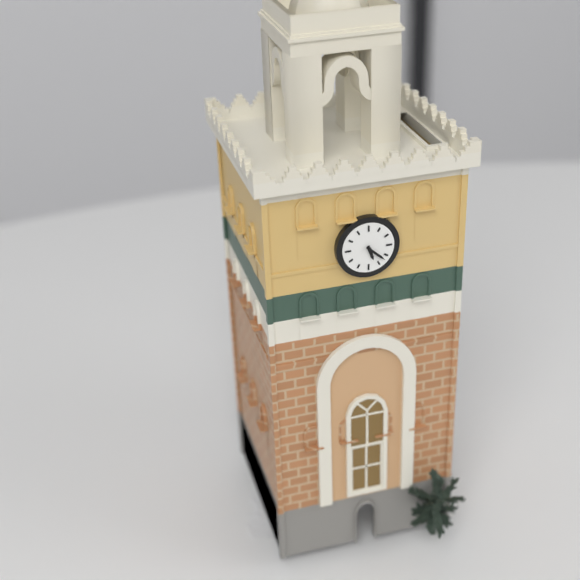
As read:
5.22
